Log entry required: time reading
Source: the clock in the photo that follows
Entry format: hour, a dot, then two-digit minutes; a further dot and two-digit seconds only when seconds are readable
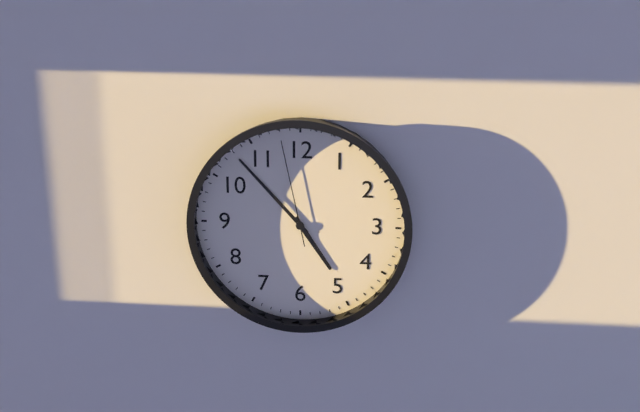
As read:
4.53.58
